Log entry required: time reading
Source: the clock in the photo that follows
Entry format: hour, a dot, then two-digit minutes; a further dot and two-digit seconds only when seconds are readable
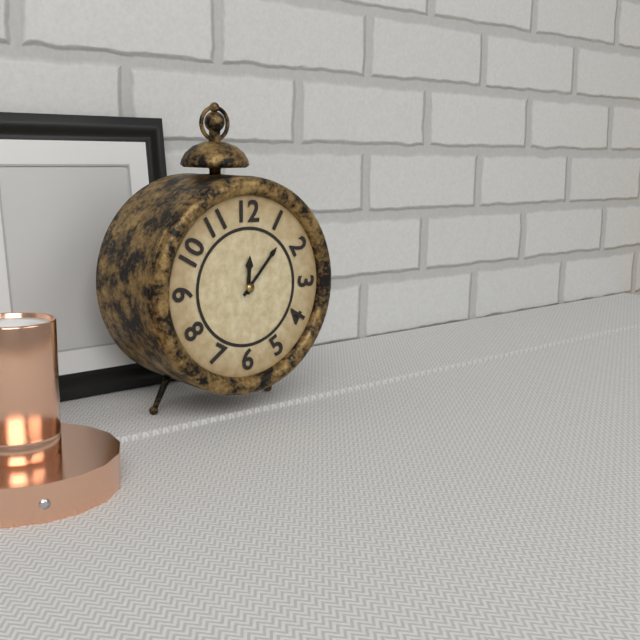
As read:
12.07
